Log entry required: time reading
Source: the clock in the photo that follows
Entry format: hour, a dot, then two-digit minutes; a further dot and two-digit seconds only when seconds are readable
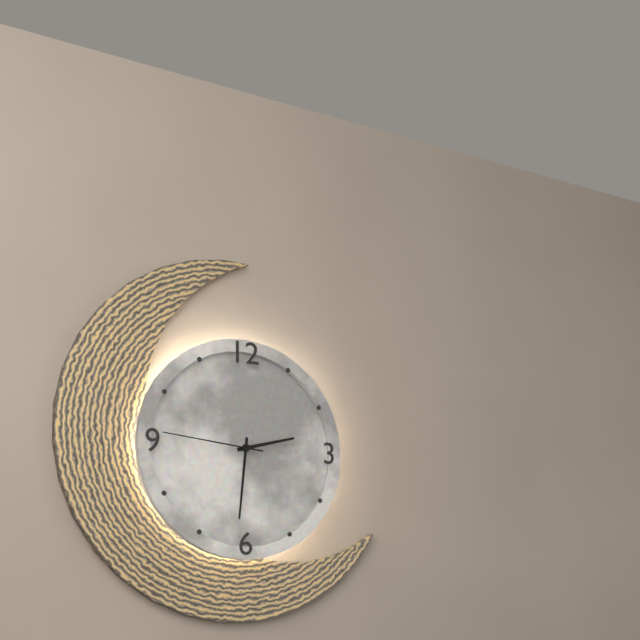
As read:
2.31.46
